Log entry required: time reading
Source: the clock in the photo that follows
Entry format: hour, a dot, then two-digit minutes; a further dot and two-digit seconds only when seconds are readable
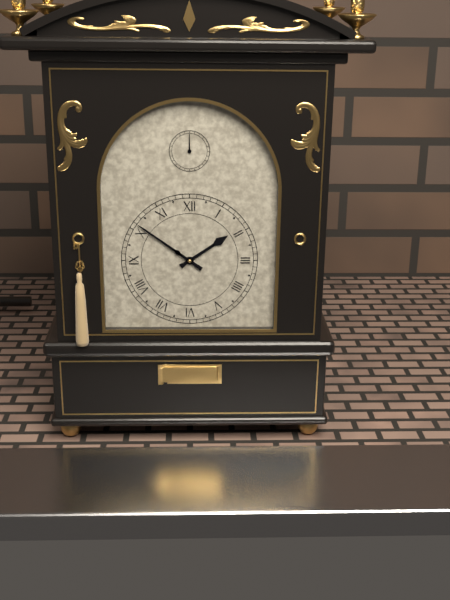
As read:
1.51
